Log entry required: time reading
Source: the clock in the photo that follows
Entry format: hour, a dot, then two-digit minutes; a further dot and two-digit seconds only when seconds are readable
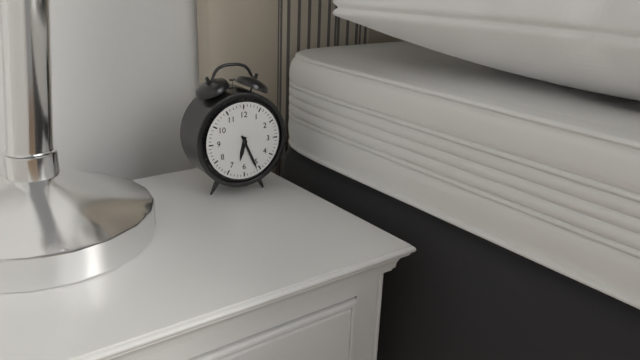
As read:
6.26
